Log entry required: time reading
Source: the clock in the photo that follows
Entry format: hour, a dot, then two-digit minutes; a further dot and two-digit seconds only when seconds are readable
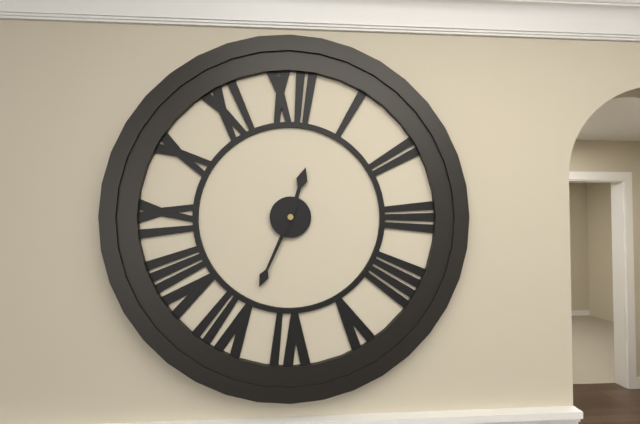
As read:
12.34
